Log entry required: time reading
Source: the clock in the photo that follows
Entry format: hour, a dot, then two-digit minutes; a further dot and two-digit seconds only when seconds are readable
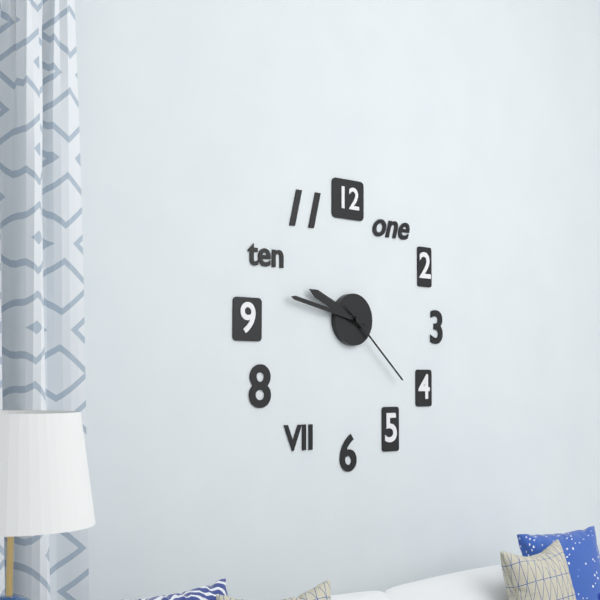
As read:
9.47.22
